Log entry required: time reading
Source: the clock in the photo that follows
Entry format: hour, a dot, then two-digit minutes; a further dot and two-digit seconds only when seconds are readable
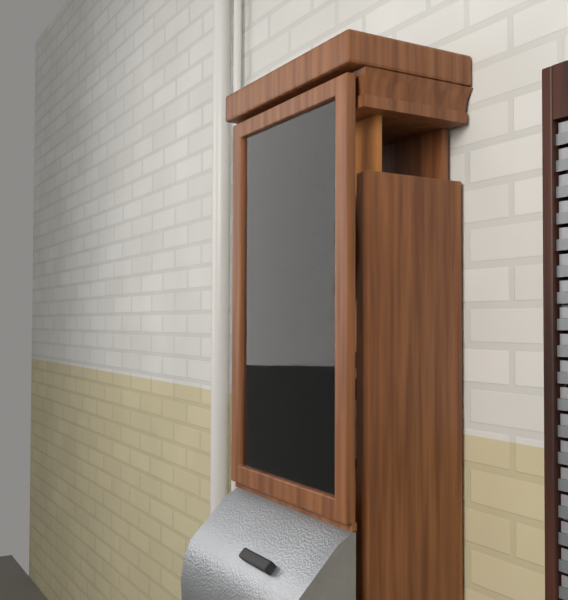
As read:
6.15
